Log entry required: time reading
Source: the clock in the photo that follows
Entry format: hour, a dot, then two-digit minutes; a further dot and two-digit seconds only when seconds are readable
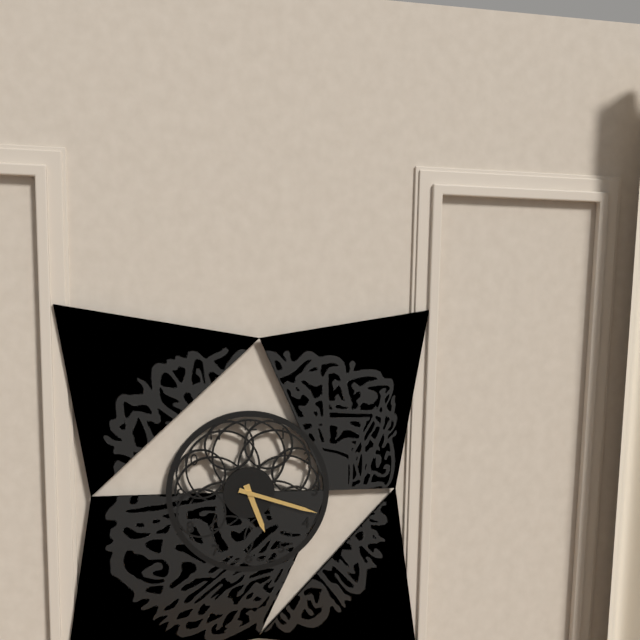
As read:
5.18
